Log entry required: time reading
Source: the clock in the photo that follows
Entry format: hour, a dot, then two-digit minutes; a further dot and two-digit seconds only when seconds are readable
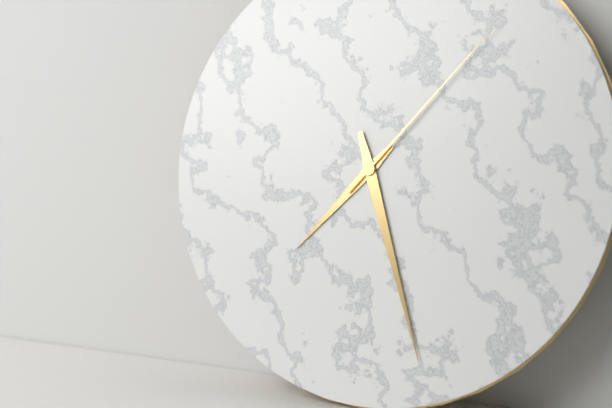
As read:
7.27.07
